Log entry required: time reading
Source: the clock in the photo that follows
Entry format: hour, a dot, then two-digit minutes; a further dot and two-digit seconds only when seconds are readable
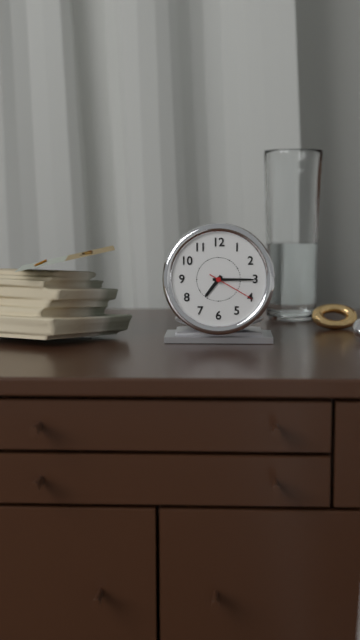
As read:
7.15.20
